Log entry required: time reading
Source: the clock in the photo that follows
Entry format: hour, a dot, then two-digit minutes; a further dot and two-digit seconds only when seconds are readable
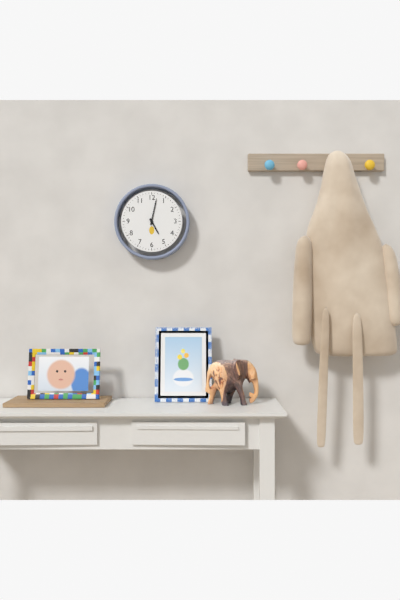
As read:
5.02
